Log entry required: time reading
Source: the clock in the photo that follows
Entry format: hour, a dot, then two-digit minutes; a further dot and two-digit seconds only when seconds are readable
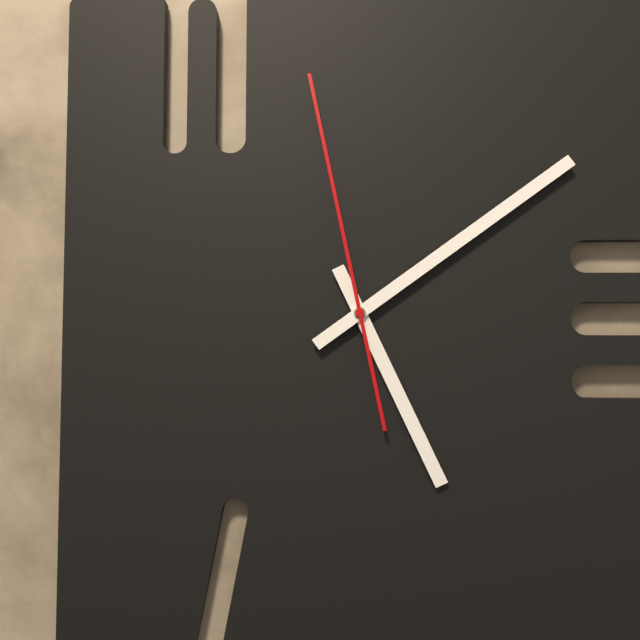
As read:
5.09.58
